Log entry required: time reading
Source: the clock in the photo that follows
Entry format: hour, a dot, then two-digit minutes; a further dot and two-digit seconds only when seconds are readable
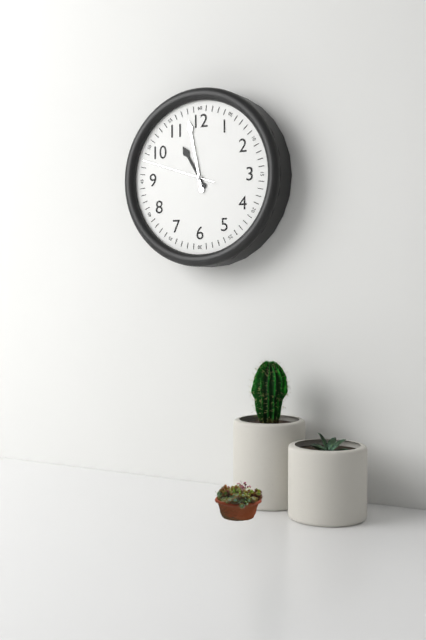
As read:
10.58.48
